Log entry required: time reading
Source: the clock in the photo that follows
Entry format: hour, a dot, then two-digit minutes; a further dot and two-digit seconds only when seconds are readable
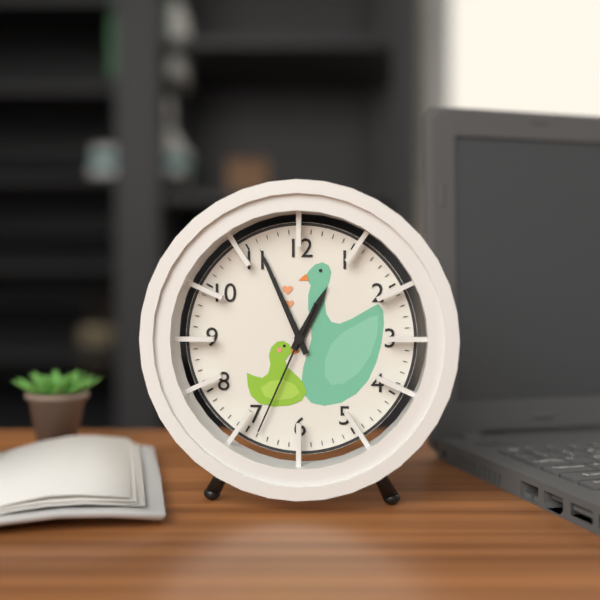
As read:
12.56.34
